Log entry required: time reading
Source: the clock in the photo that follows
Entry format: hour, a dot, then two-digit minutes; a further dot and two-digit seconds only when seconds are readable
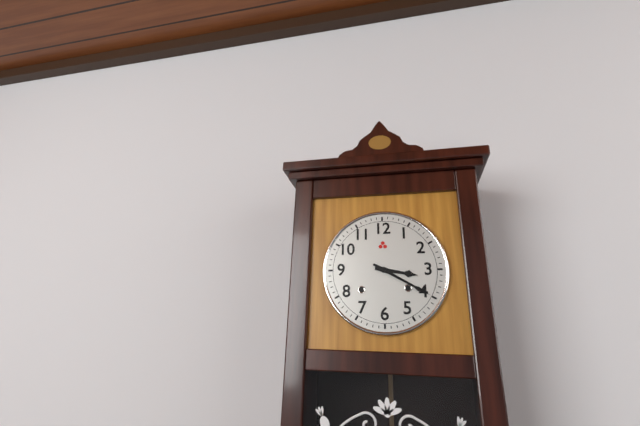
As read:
3.20
